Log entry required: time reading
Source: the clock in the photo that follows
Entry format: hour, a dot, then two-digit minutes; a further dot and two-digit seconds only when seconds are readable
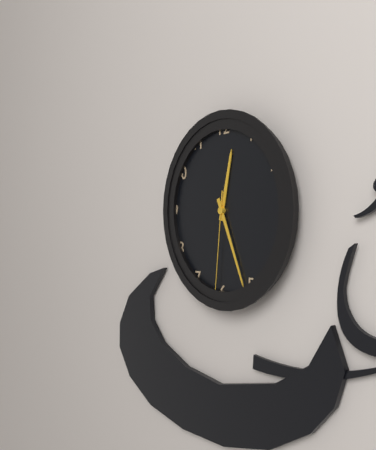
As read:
12.26.31
